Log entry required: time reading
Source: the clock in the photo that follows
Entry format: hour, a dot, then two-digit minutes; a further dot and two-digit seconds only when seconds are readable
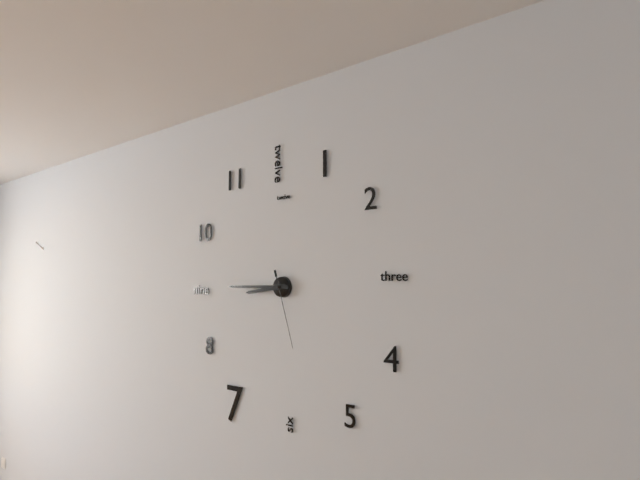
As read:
8.45.27
